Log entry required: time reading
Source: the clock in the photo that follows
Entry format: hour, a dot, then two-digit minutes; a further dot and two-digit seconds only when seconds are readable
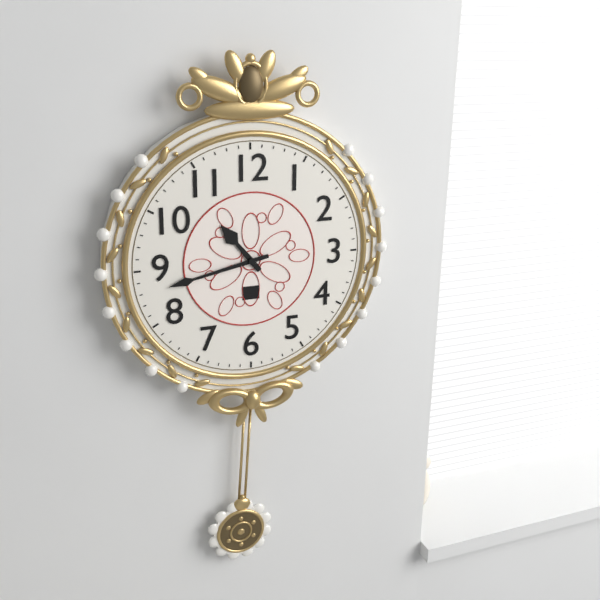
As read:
10.43
